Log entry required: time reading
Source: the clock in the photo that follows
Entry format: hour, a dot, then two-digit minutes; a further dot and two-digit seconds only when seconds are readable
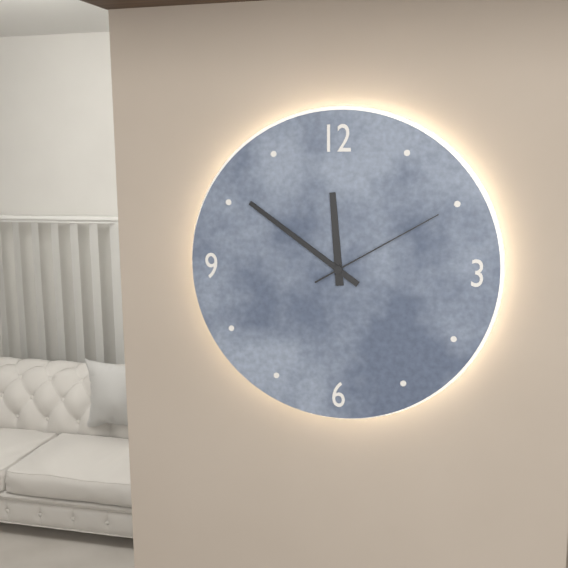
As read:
11.51.10
